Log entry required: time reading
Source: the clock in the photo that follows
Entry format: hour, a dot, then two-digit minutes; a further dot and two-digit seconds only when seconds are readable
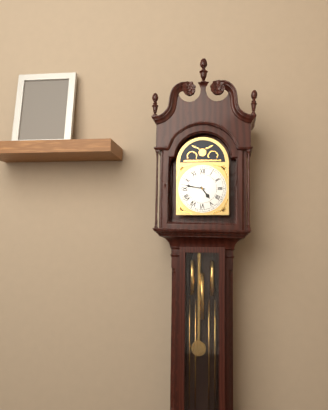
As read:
4.47
